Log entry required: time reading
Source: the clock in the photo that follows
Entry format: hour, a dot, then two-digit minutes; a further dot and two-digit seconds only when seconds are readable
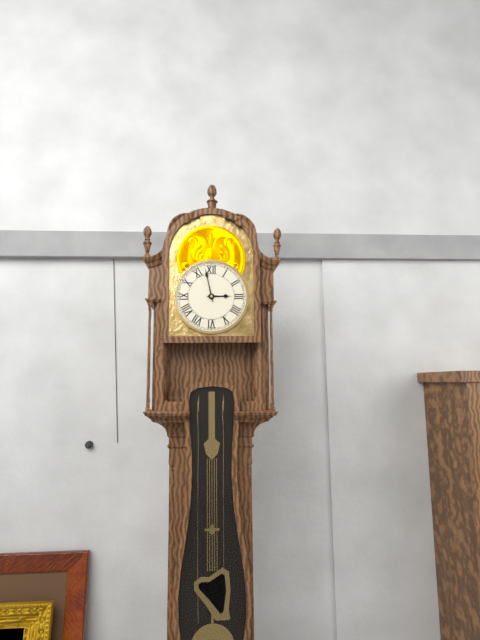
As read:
2.58
